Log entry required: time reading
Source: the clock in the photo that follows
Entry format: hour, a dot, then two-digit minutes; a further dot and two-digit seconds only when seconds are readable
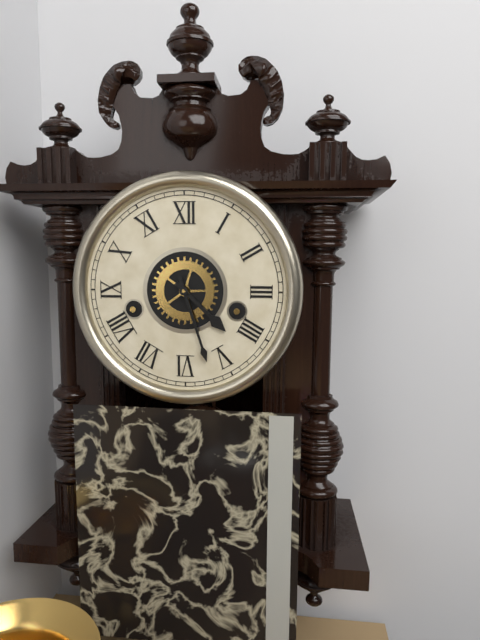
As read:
4.27
